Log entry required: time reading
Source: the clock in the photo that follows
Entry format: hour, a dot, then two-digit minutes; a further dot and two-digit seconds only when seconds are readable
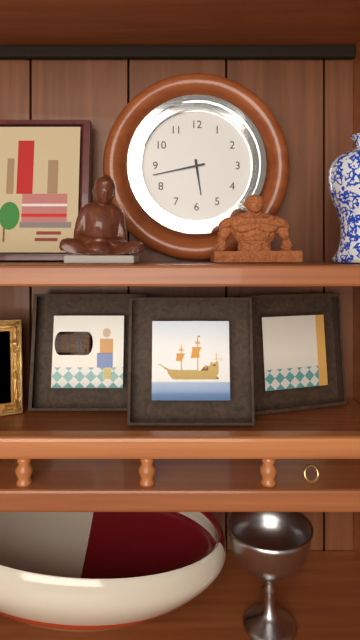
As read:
5.43
